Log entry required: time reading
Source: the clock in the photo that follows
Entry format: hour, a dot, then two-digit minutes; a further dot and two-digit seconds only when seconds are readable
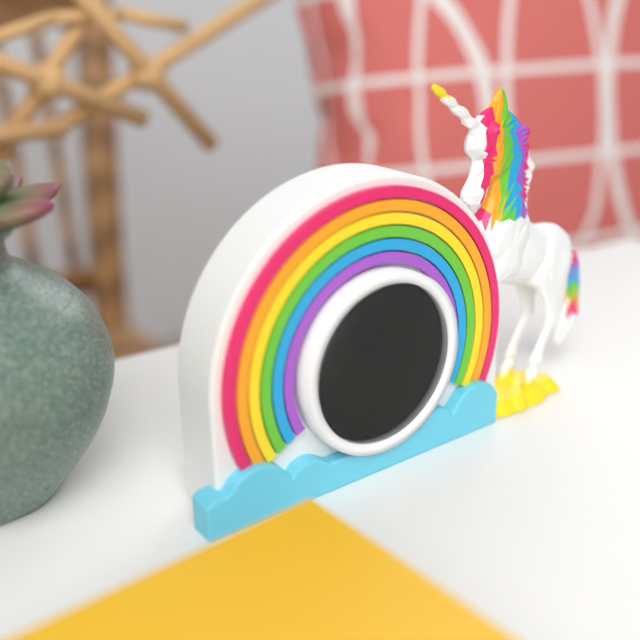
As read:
9.53
